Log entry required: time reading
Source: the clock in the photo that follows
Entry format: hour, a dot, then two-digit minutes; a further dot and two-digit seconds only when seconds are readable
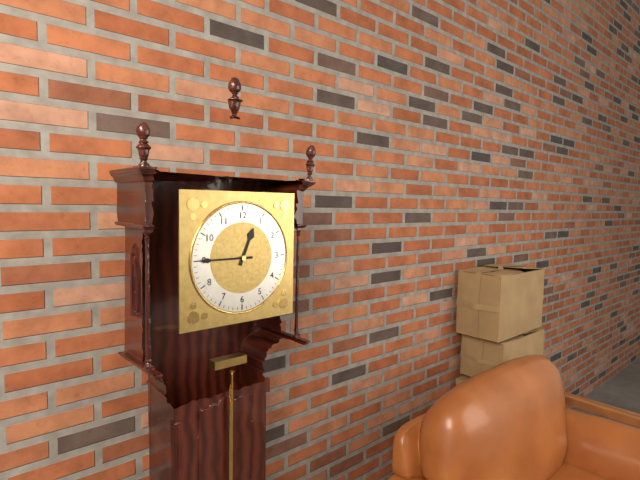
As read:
12.45
